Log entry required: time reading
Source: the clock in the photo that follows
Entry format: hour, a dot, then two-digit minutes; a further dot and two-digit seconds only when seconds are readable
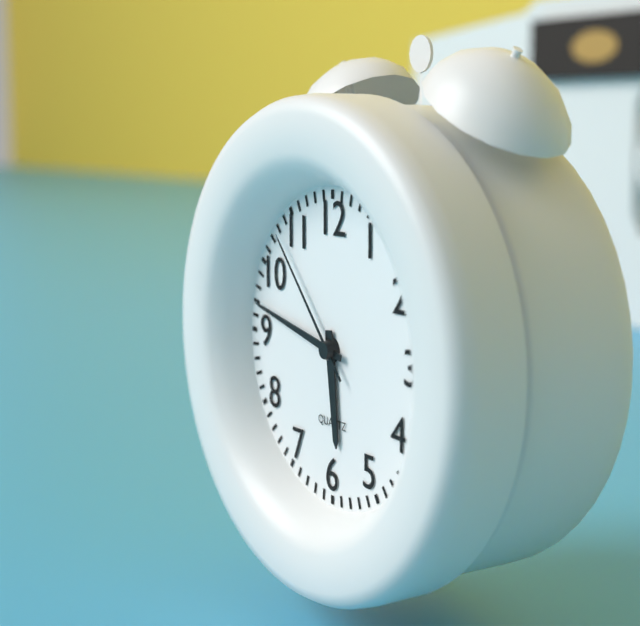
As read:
5.47.53
